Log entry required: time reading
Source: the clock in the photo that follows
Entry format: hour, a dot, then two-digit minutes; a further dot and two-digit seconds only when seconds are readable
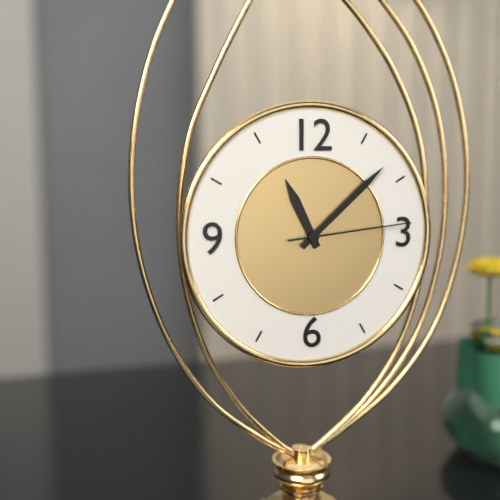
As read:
11.08.14
